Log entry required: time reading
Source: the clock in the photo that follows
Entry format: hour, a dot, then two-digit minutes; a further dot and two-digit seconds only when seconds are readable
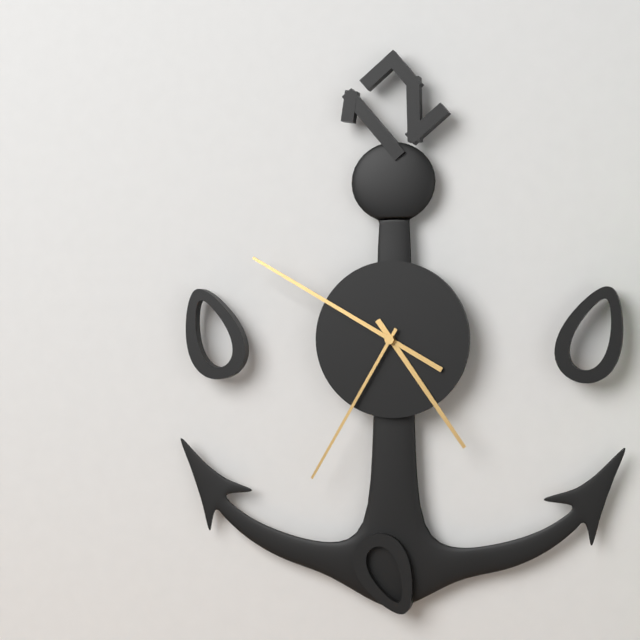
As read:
4.50.35
